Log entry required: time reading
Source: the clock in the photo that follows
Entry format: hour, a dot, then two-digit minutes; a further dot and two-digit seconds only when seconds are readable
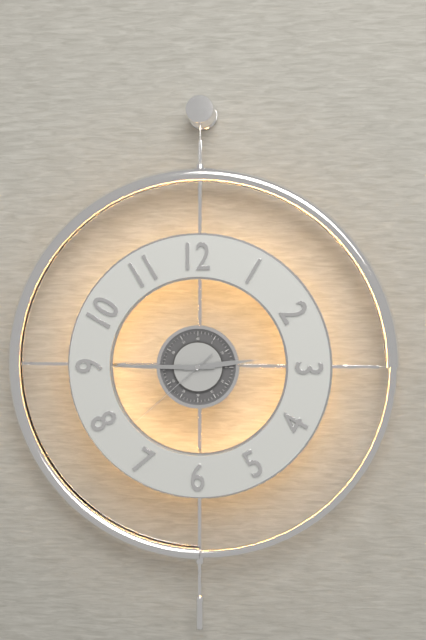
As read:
2.45.38
